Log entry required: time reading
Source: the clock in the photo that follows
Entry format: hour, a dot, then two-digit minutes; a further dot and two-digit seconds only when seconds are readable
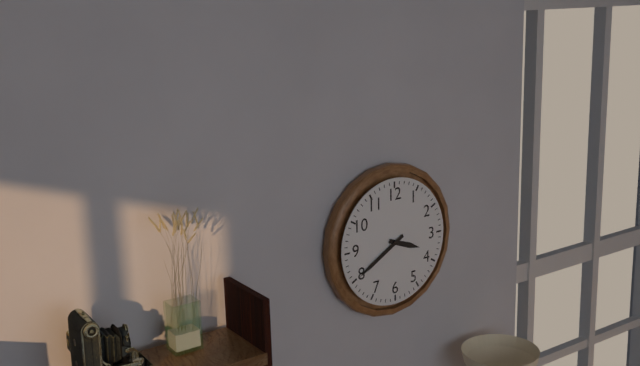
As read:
3.40
